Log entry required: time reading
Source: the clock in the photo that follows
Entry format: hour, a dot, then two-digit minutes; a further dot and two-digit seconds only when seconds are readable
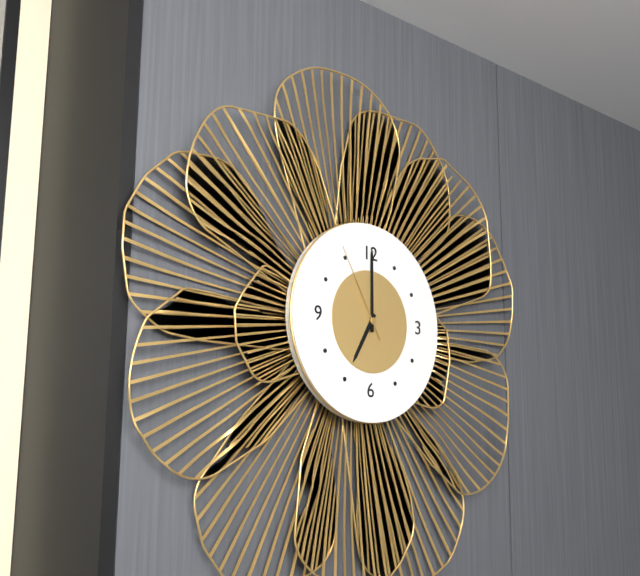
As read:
7.00.55
